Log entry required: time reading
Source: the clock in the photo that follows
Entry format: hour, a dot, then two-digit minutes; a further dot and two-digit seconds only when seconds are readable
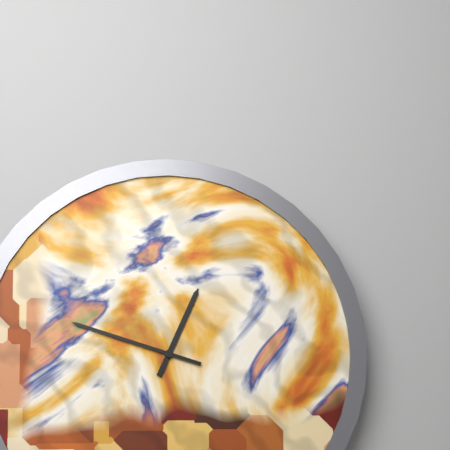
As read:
12.48
